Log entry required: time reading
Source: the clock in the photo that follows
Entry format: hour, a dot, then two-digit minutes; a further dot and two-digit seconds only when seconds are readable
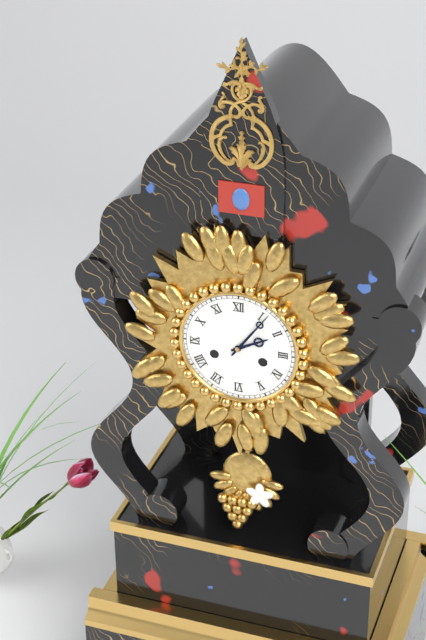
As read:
2.06
